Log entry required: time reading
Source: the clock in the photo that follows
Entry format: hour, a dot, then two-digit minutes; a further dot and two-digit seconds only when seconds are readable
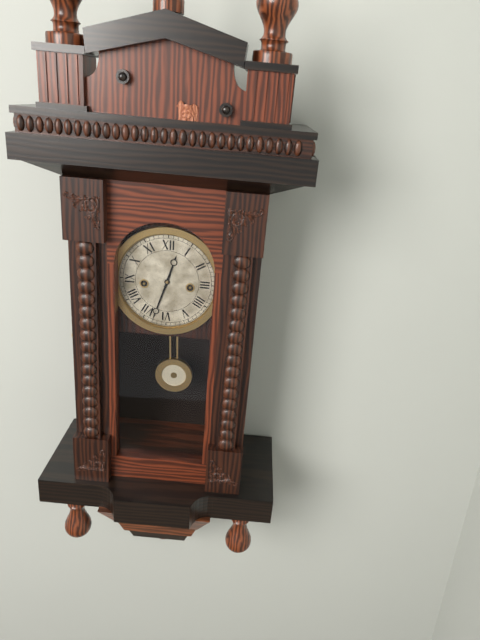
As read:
12.33
